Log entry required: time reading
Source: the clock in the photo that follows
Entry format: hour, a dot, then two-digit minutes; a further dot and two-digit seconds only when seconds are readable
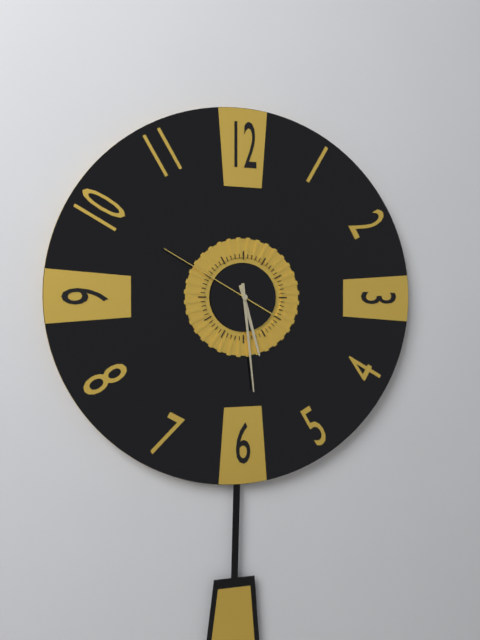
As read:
5.29.50
